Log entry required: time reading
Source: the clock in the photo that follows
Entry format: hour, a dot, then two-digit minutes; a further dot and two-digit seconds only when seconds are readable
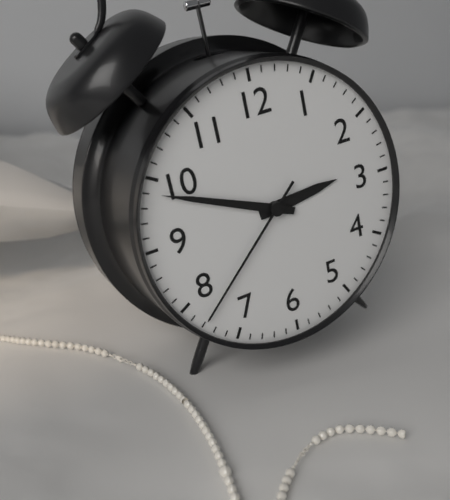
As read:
2.49.38
